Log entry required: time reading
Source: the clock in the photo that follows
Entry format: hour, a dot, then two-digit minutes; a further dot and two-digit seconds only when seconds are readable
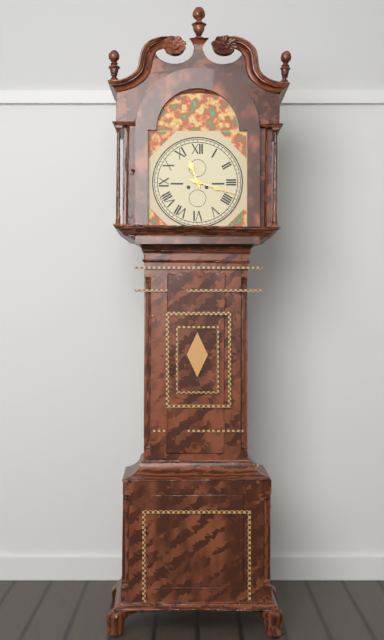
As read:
11.18
